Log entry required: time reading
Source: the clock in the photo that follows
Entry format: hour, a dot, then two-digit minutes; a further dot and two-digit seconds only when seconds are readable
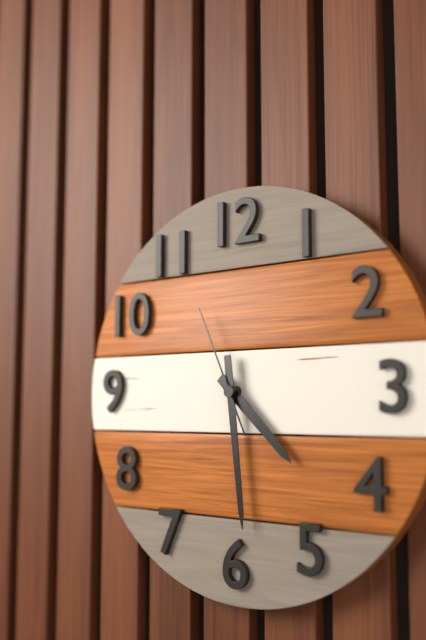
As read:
4.29.56
